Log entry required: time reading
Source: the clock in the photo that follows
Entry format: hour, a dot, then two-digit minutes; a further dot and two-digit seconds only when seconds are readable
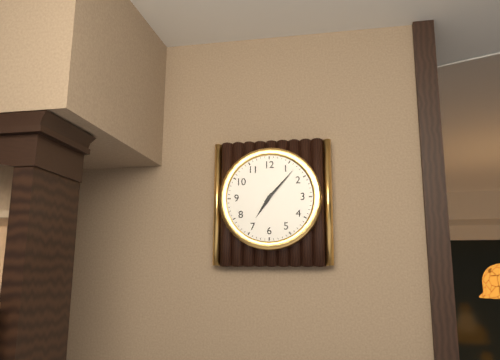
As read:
7.07
